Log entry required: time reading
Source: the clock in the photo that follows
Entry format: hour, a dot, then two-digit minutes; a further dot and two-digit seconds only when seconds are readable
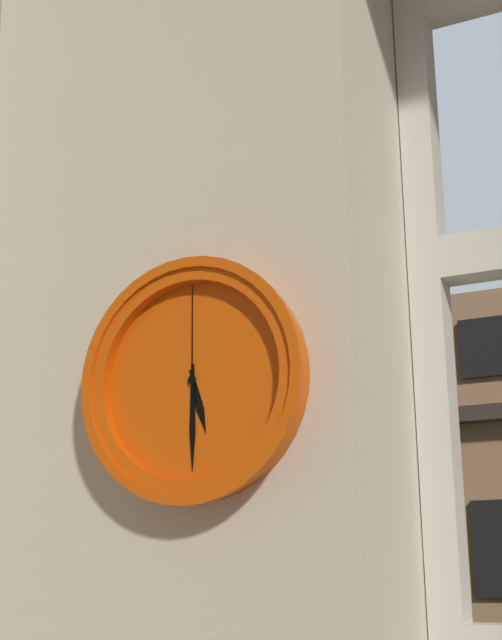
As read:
5.30.00
